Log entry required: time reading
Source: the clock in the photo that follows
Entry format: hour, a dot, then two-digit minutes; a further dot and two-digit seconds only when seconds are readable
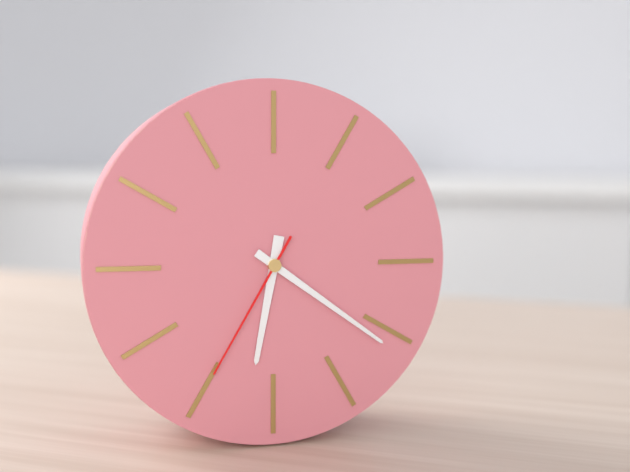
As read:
6.21.35
